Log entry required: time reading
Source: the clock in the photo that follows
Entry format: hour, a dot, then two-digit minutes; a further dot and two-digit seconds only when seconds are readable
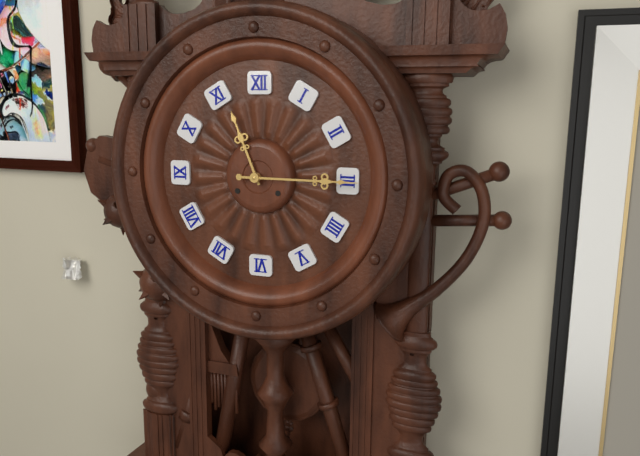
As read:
11.15
